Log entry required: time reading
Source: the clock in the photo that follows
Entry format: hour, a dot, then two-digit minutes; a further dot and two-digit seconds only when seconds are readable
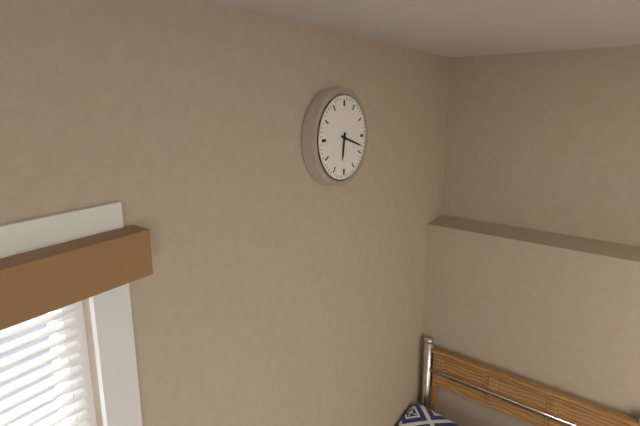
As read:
6.18
